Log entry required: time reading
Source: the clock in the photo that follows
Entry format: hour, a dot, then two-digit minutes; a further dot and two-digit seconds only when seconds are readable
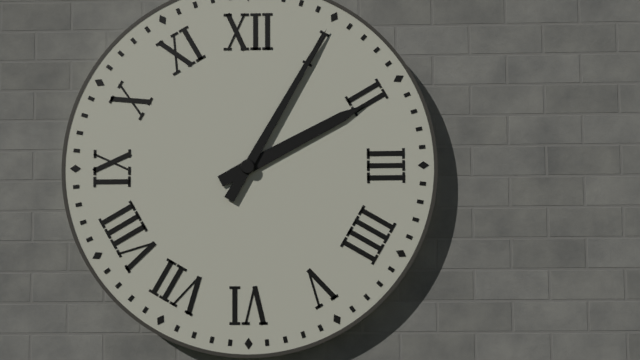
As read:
2.05
